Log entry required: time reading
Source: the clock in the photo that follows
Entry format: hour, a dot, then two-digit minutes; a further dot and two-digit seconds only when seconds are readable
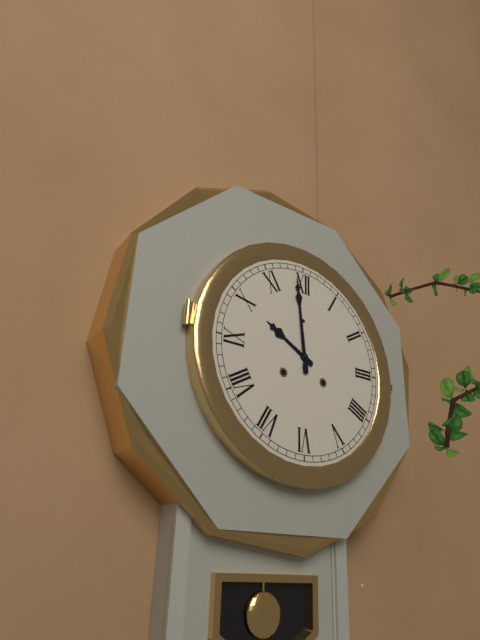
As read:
9.59
